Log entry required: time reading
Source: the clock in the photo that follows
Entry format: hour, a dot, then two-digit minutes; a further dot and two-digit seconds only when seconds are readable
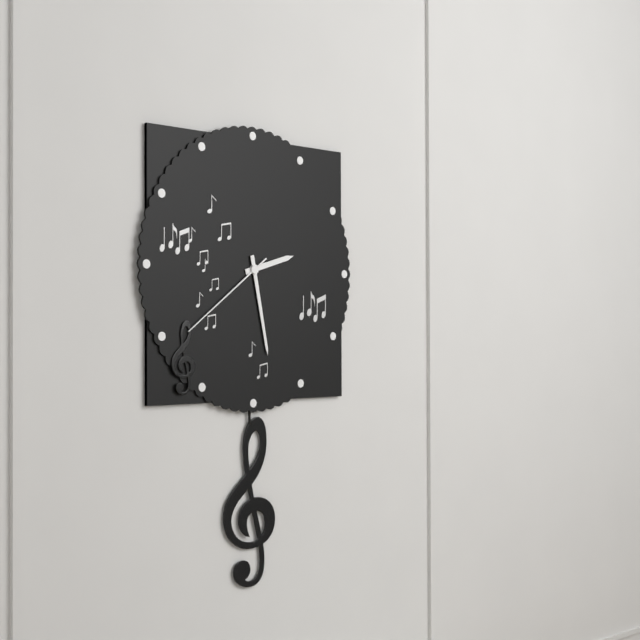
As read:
2.28.39
